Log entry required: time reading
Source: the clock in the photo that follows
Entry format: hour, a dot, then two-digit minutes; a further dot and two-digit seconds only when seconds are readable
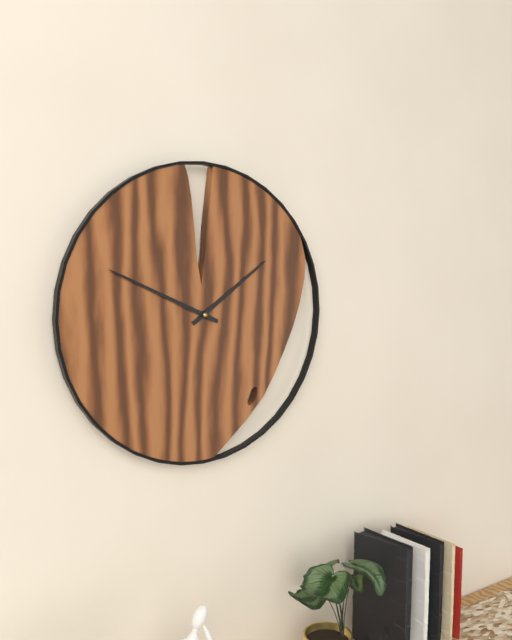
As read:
1.49
